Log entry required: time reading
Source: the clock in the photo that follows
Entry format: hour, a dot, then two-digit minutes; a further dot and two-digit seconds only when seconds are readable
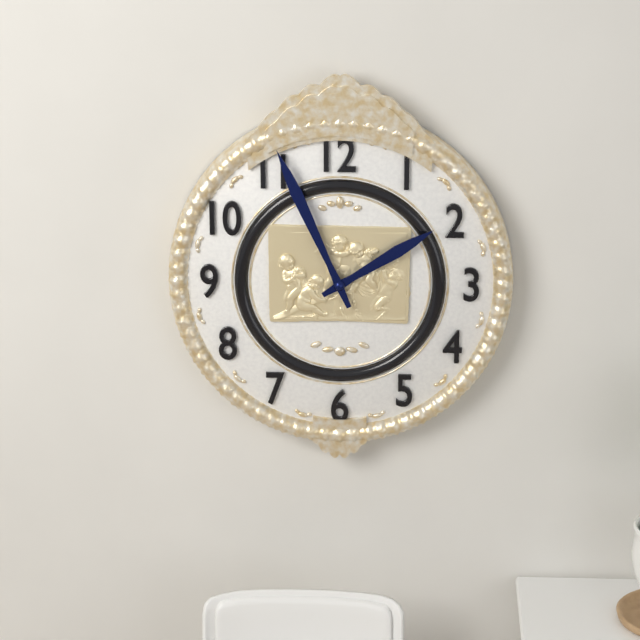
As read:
1.56
